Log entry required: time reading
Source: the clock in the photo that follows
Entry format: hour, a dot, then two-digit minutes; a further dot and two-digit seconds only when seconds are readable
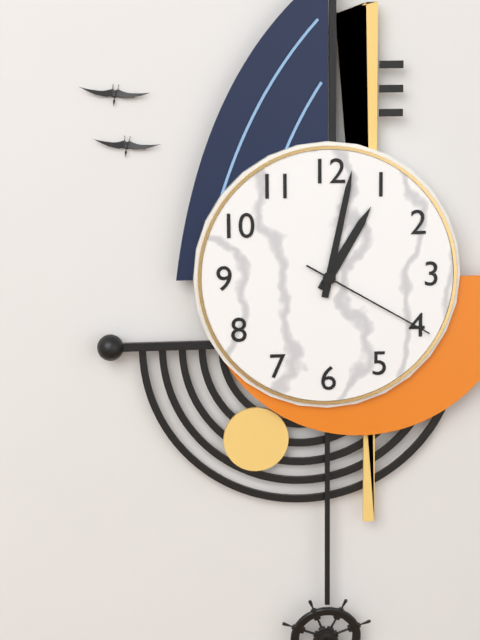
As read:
1.02.20
